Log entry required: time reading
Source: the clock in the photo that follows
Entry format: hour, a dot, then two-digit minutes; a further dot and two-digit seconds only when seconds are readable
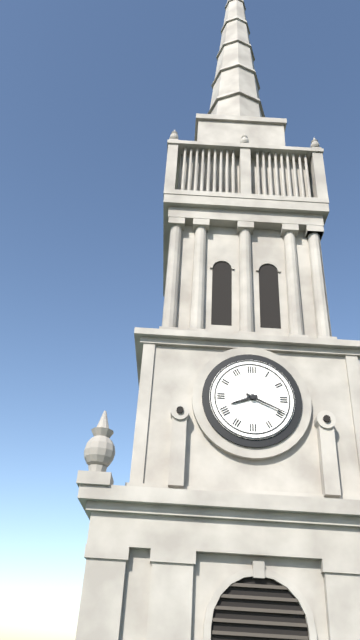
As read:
8.19
